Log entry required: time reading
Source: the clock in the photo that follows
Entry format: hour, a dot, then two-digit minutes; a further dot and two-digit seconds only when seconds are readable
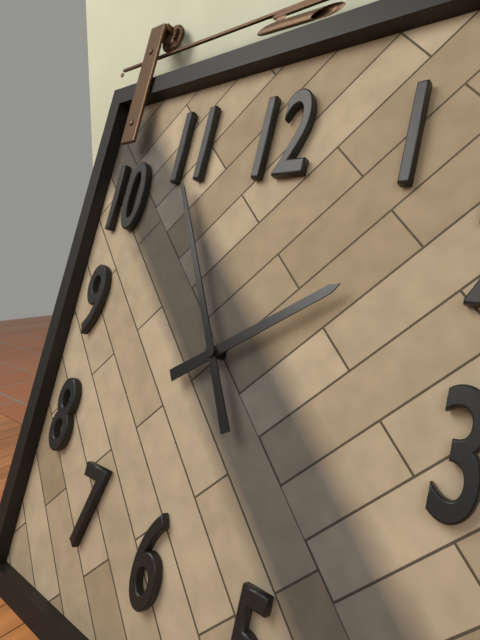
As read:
1.55
